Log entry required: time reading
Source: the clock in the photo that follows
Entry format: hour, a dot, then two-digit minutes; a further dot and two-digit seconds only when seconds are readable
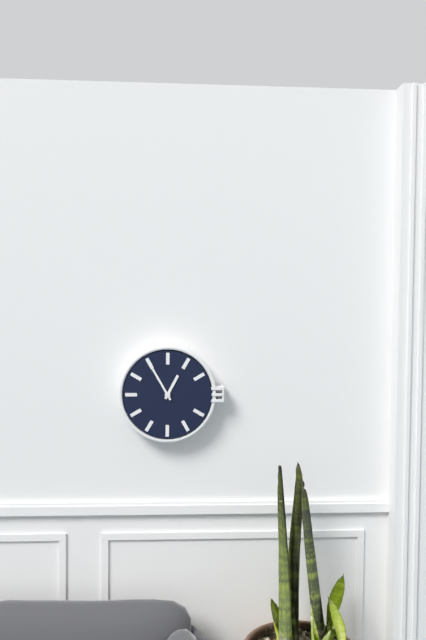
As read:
12.55
